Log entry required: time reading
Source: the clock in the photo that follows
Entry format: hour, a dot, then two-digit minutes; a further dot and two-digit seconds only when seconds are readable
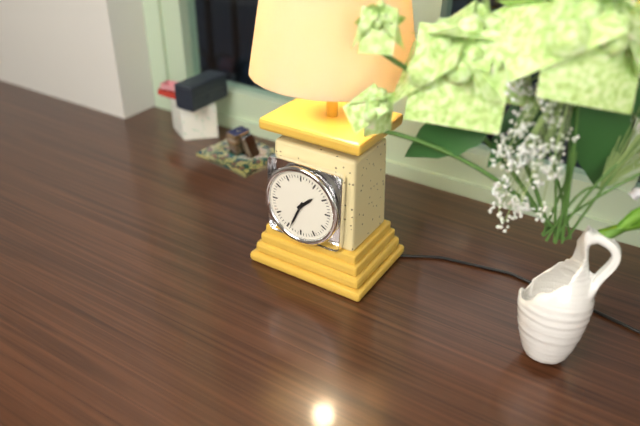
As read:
1.34
